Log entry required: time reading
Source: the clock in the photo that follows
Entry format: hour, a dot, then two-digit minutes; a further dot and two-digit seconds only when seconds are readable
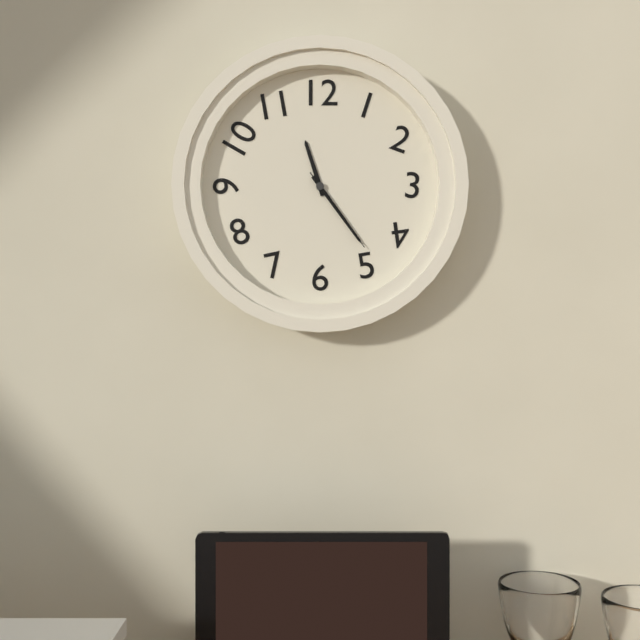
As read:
11.24.24
